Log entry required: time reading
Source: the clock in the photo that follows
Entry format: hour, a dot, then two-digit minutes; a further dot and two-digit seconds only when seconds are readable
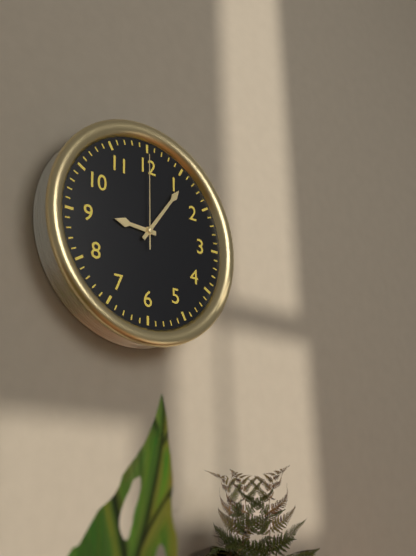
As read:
9.06.00
